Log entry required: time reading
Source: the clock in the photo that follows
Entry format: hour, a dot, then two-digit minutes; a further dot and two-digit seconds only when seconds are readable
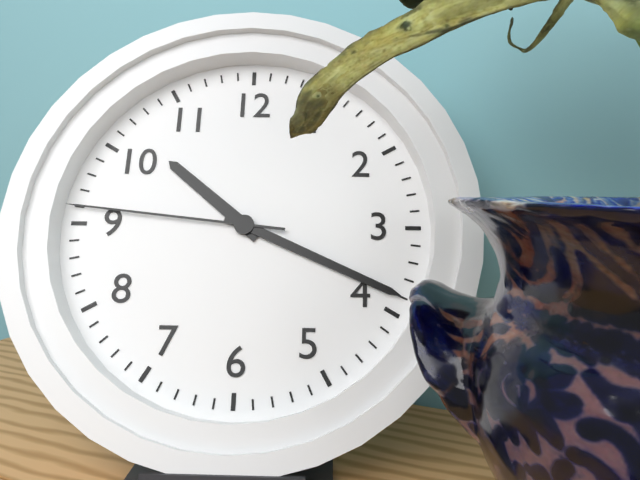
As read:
10.19.46
